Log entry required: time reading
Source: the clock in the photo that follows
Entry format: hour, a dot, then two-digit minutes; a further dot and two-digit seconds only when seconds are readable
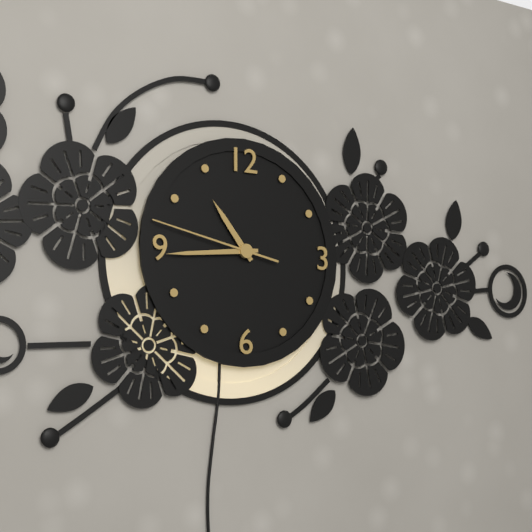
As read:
10.44.47
